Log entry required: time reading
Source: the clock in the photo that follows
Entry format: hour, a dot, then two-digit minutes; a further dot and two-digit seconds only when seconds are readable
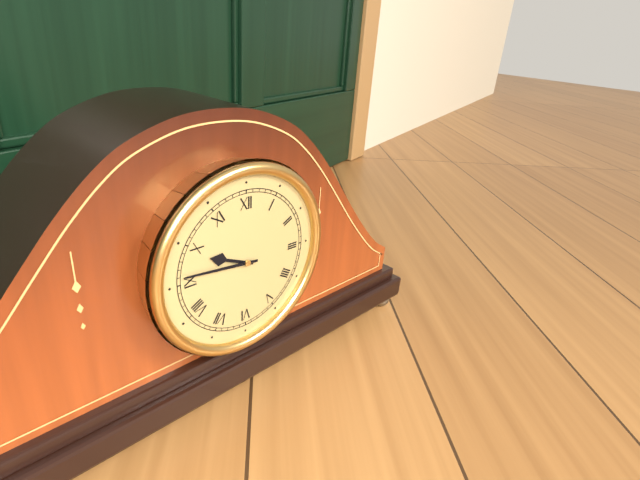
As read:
9.46
